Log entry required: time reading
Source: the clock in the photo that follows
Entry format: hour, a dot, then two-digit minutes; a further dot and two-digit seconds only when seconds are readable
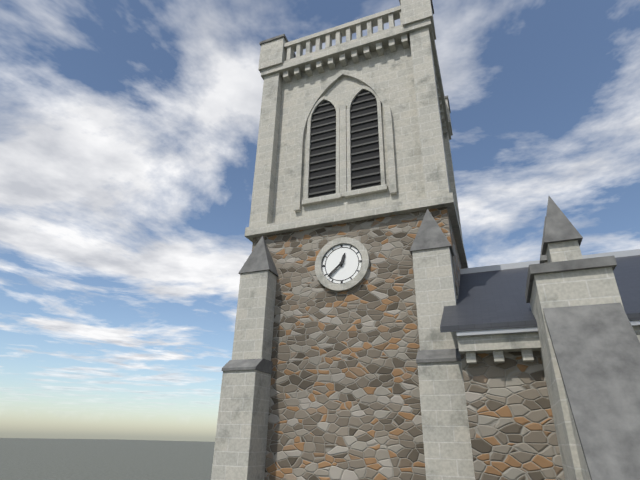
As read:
12.38
